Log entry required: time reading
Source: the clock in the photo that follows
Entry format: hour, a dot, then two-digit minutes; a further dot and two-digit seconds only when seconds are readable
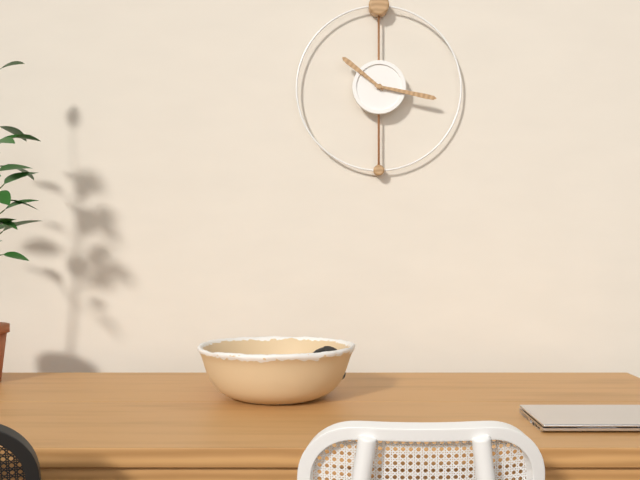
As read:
10.17
